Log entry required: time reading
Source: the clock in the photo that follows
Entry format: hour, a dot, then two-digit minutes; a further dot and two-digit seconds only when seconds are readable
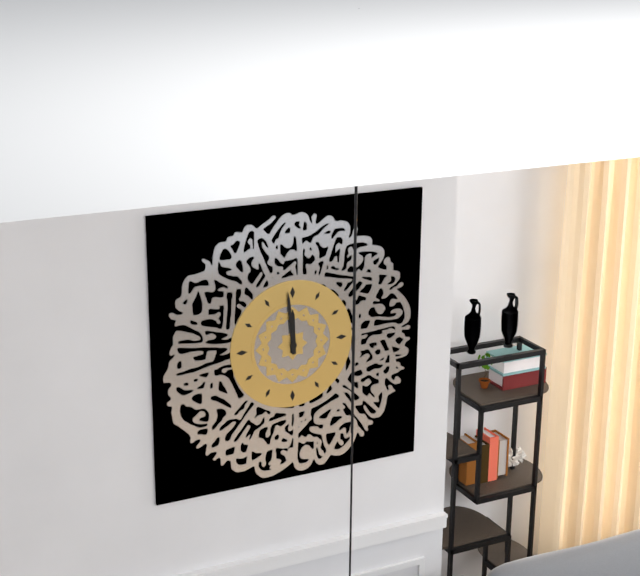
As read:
11.59
